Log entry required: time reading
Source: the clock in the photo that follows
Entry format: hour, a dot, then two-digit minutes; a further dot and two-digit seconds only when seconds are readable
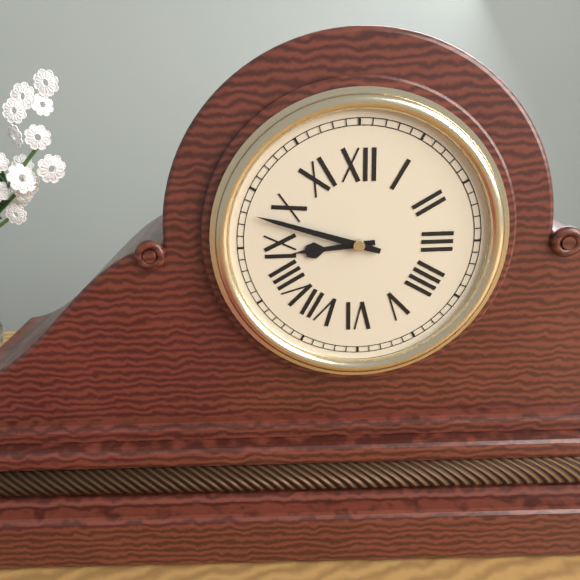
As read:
8.48
